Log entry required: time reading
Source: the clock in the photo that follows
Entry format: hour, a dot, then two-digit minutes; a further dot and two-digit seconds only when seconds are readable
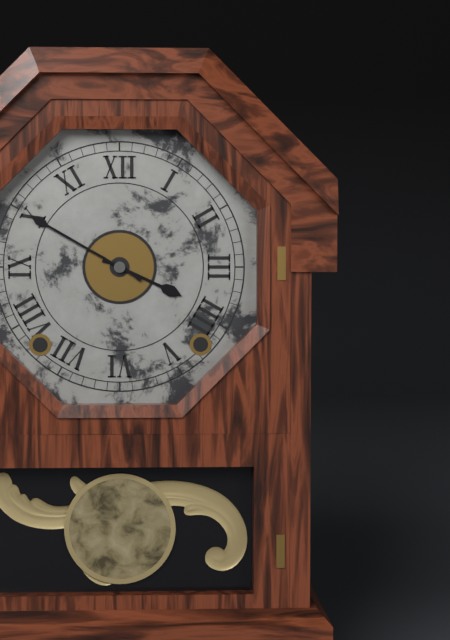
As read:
3.50
